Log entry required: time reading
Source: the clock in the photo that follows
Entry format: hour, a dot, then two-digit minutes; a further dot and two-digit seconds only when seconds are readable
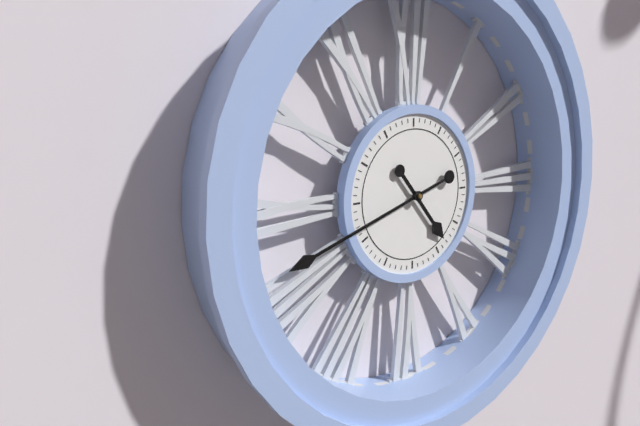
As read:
4.42
